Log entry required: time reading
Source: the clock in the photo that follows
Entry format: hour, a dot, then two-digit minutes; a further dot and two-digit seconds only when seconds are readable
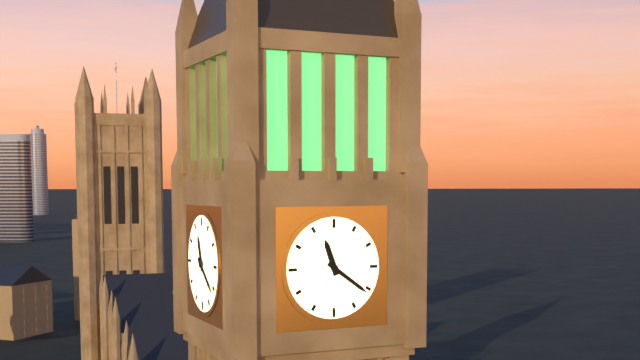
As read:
11.21
